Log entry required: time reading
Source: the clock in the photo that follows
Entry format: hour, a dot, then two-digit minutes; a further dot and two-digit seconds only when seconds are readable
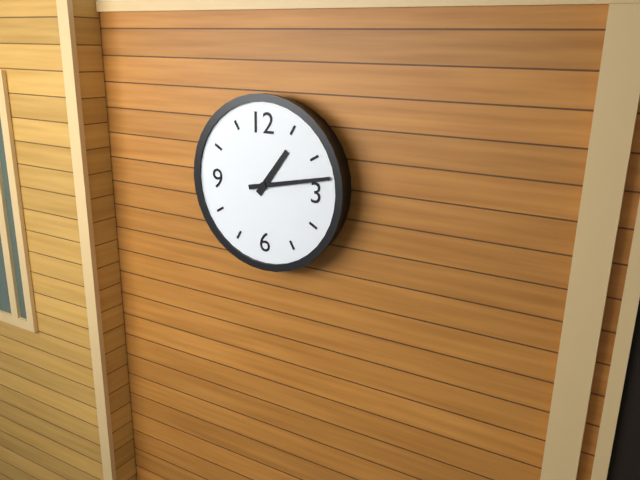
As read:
1.13
